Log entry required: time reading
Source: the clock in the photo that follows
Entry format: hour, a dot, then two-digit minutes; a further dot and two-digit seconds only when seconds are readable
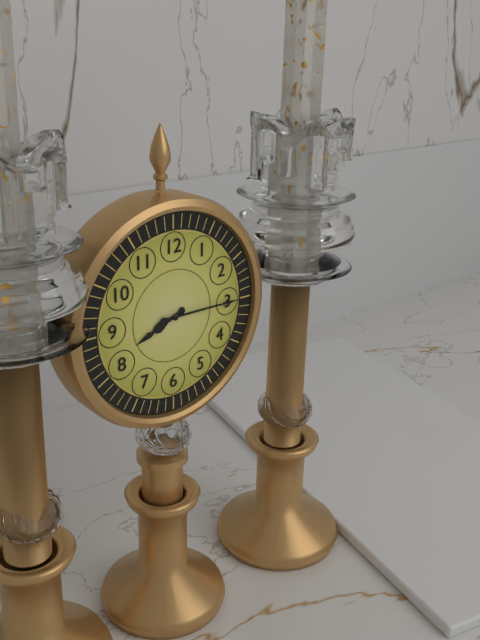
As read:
8.15
